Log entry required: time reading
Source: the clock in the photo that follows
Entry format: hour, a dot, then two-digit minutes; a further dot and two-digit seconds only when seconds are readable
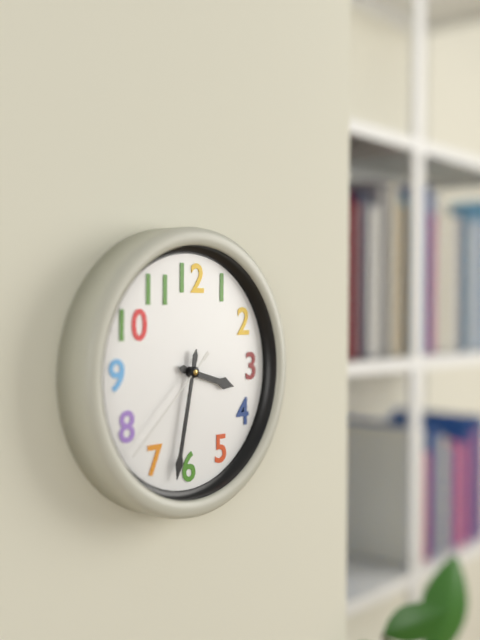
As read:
3.32.38
